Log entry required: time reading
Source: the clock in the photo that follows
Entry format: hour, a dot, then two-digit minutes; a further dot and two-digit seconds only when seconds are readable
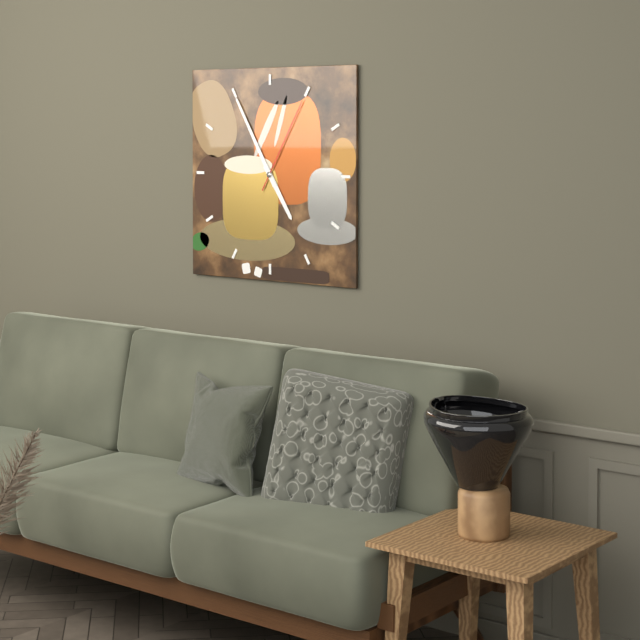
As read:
4.55.05
